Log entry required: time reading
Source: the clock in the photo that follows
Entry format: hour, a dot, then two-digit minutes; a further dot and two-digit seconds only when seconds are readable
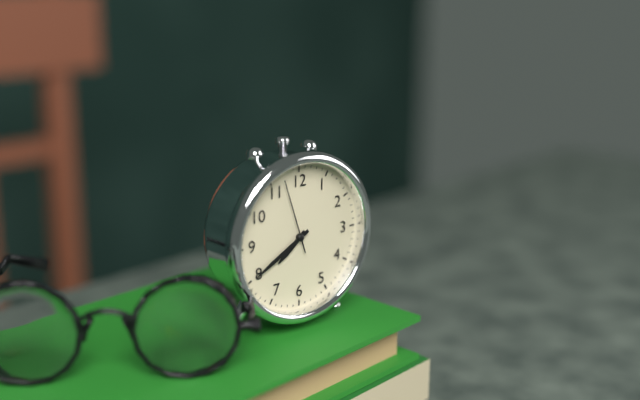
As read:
7.40.57
